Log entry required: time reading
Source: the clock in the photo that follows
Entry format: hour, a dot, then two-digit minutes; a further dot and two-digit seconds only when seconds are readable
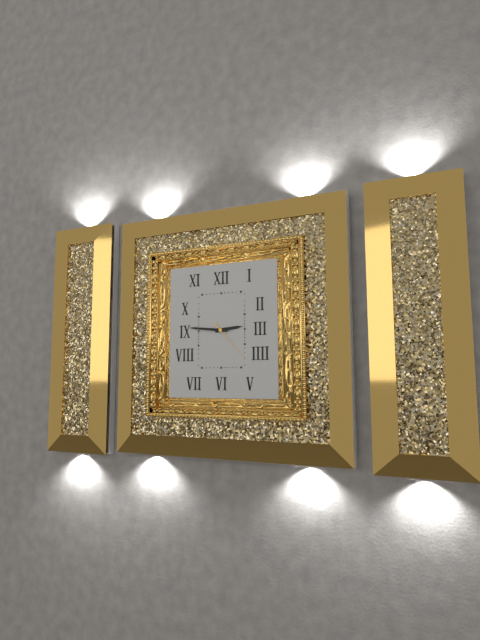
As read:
2.46
